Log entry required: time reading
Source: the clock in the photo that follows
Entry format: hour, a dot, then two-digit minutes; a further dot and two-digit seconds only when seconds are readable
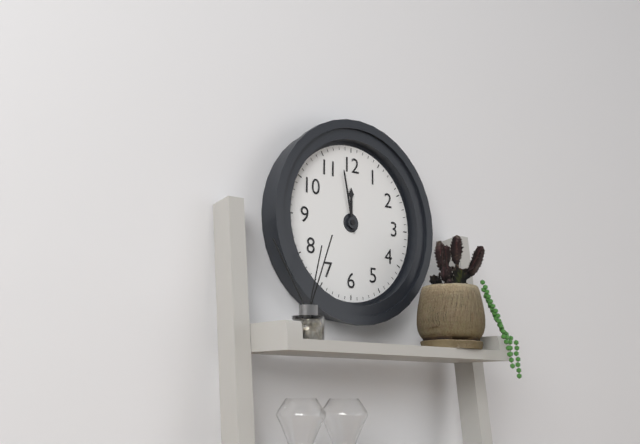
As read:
11.58
